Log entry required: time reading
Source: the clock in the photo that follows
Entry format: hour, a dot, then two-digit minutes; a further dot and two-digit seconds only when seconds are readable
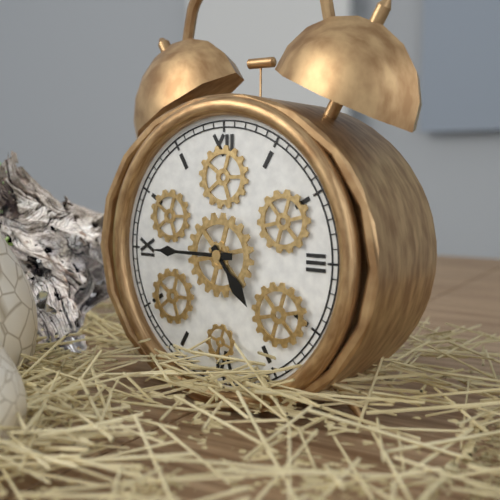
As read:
4.45
